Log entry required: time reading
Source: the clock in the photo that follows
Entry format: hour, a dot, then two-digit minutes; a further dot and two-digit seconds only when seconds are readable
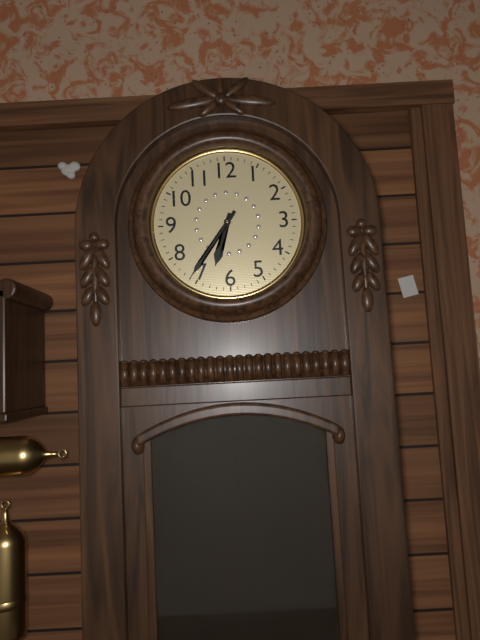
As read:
6.36
